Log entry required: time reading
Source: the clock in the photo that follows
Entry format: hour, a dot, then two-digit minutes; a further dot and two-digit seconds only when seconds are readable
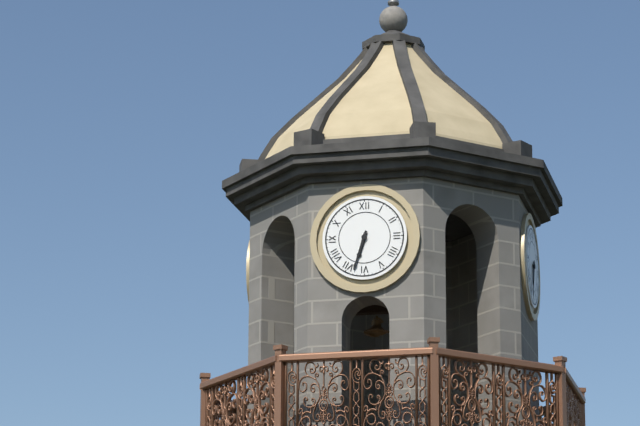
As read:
6.33
